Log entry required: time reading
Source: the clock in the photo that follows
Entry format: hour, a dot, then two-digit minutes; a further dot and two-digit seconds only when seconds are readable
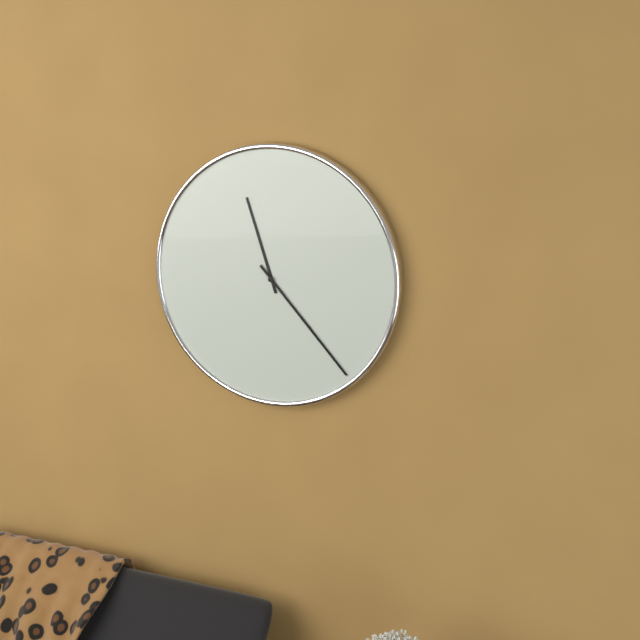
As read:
11.23
